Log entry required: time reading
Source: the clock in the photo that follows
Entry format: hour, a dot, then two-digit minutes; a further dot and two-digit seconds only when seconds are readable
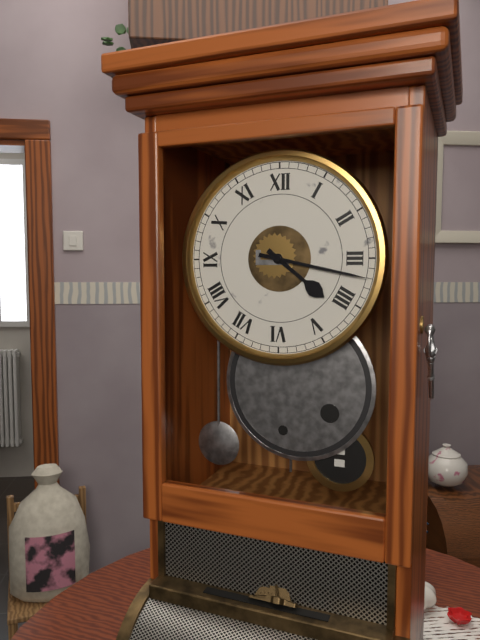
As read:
4.17
